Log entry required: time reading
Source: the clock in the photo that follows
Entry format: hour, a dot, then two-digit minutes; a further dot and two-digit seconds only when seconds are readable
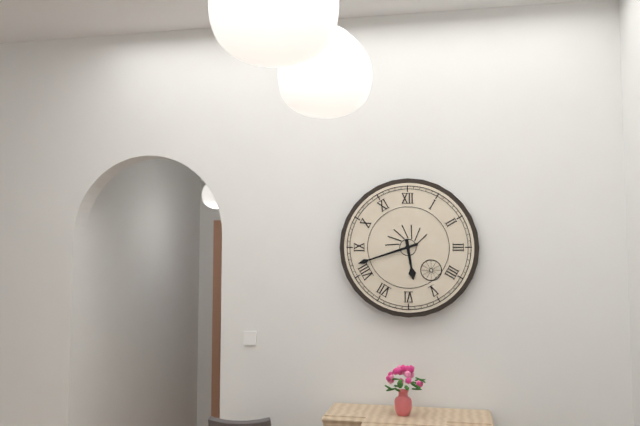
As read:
5.42
